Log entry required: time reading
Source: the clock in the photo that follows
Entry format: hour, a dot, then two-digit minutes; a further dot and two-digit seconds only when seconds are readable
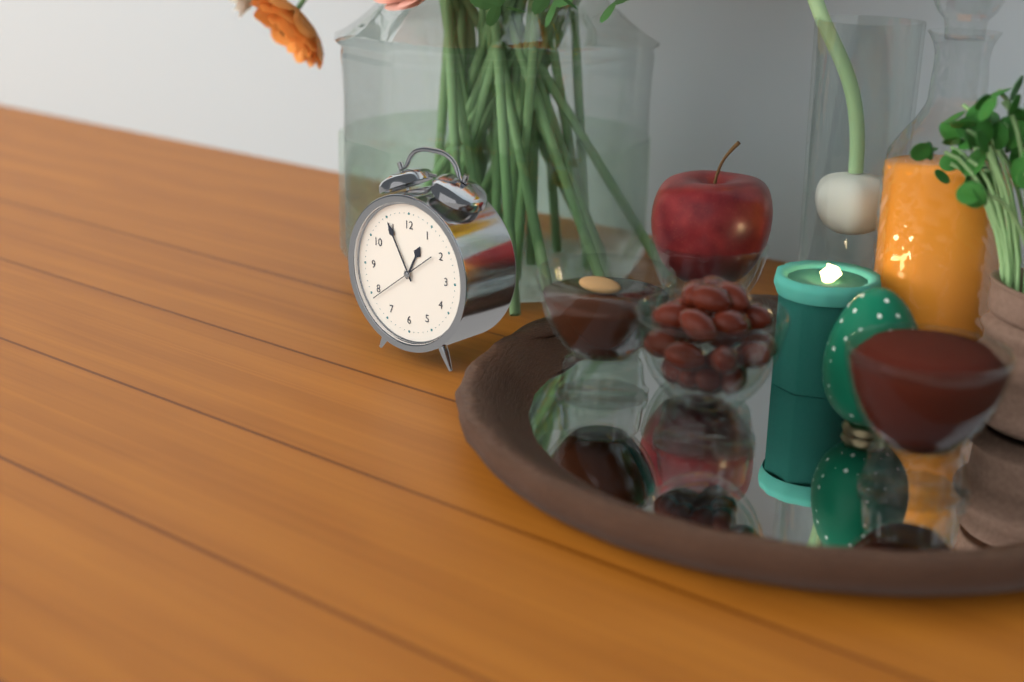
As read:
12.55.39
